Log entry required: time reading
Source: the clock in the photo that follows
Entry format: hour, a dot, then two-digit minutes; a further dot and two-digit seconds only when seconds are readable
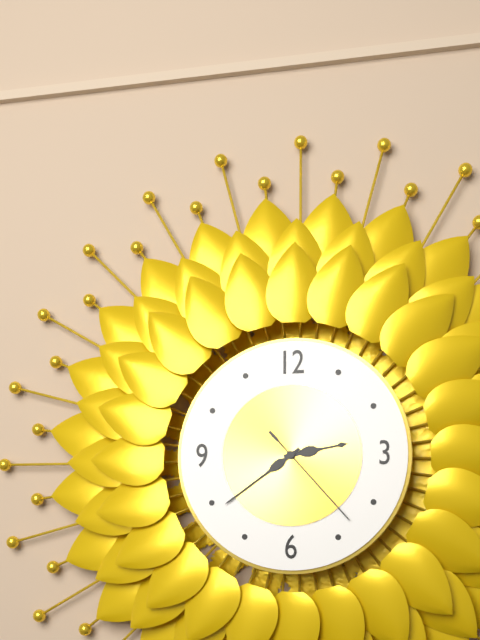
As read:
2.39.23
